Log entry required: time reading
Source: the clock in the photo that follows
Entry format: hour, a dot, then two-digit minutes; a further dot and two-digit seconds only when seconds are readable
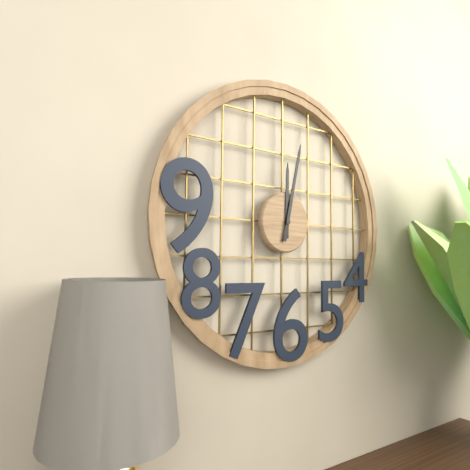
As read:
12.02
